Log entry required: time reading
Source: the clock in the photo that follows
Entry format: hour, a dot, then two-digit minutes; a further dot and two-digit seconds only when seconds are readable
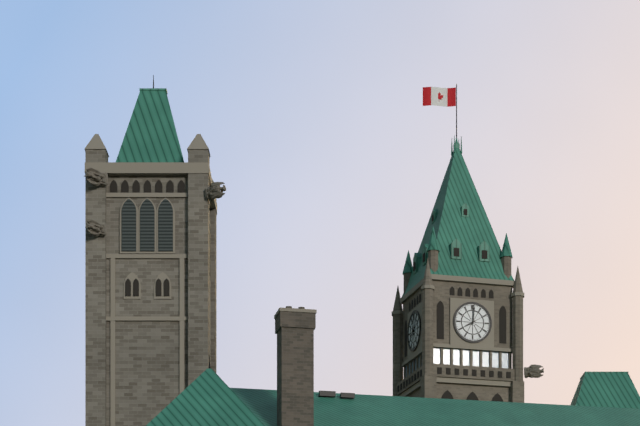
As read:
8.01
